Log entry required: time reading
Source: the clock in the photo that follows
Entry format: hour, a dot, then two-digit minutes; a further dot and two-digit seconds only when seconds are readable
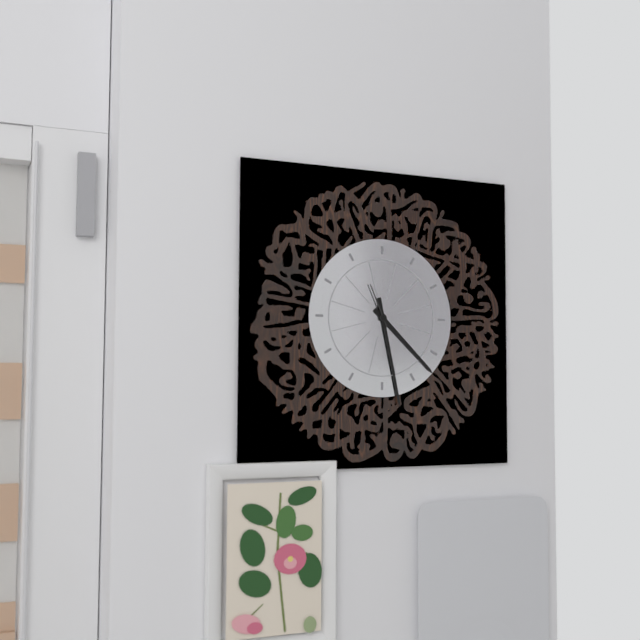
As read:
4.28
